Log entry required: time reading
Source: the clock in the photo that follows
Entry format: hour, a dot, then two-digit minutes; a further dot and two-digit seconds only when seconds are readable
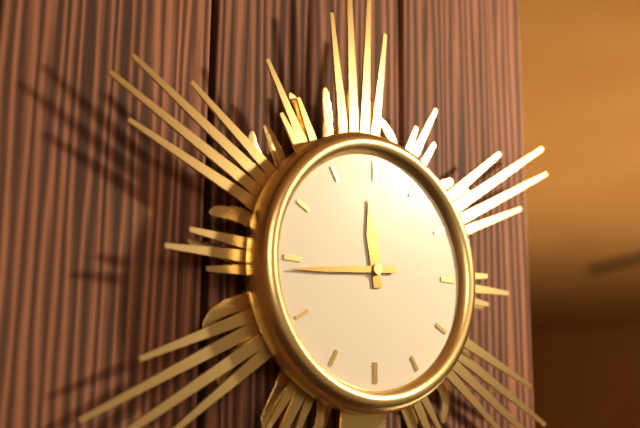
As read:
11.44
